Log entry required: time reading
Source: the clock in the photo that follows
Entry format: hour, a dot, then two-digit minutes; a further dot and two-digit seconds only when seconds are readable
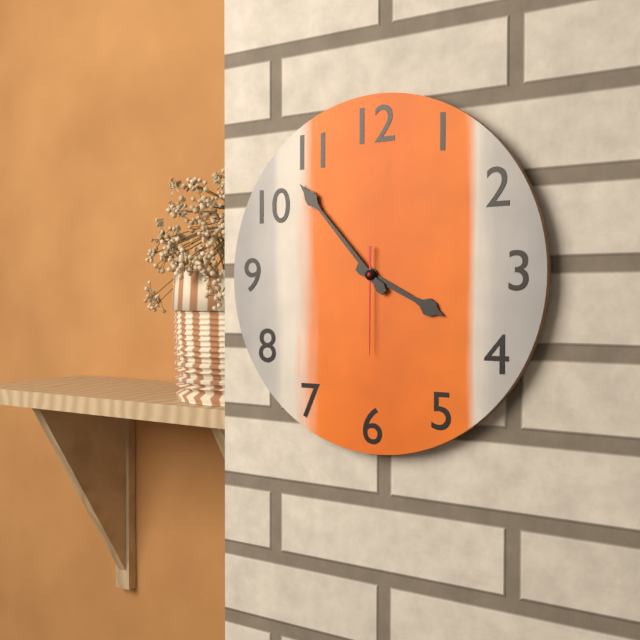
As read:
3.53.30
